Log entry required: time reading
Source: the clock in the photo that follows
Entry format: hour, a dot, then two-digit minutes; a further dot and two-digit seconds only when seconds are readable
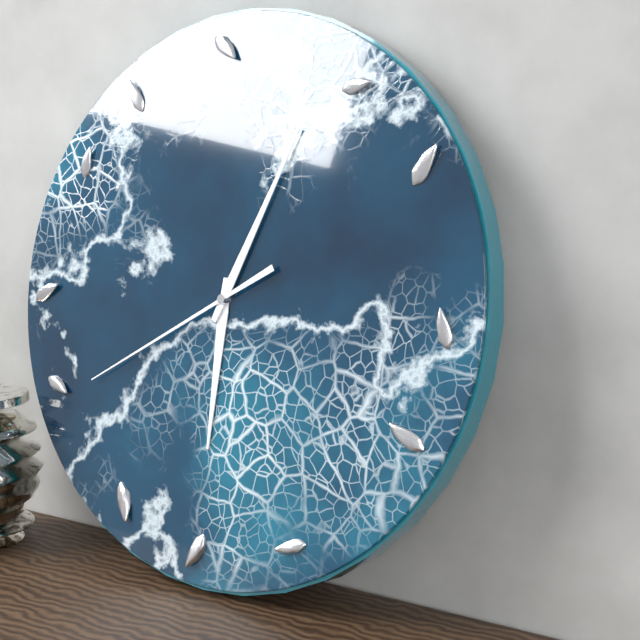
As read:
6.04.40
